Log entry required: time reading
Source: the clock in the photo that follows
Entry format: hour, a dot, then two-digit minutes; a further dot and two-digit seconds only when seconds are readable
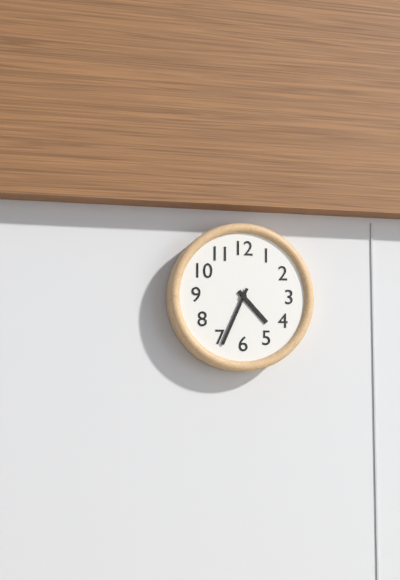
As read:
4.34
